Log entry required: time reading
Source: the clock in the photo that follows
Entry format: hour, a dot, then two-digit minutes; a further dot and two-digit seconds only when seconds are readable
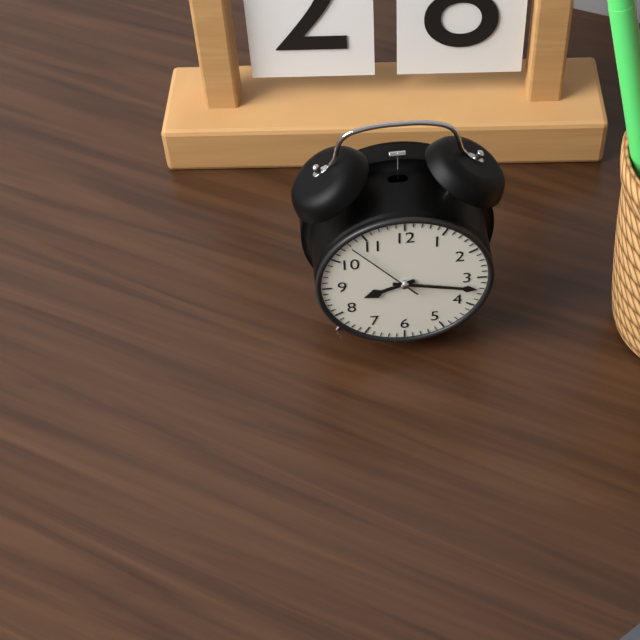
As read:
8.17.53
